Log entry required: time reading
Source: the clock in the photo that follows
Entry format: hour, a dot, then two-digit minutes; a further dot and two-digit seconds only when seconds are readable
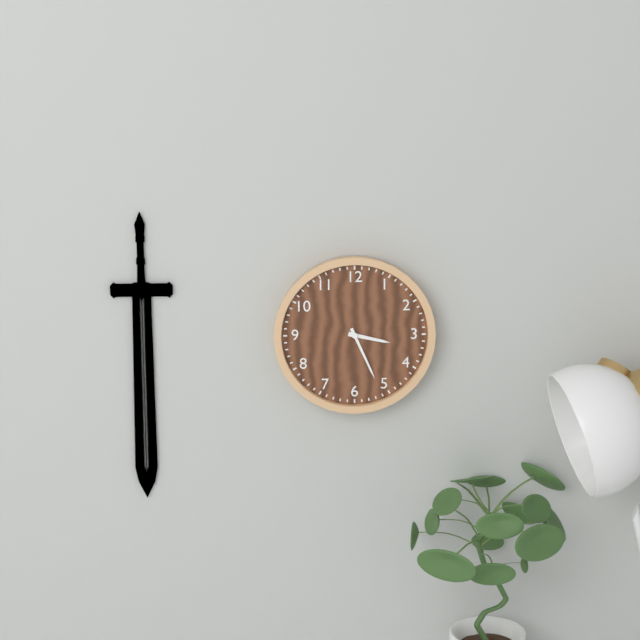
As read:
3.26
